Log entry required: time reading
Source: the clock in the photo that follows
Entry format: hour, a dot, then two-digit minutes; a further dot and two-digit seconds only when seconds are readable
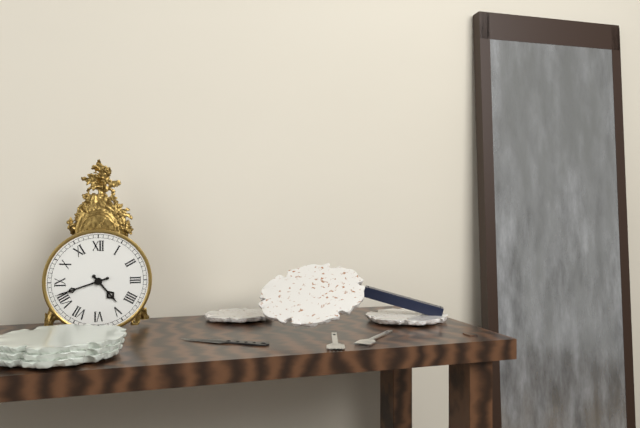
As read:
4.42
